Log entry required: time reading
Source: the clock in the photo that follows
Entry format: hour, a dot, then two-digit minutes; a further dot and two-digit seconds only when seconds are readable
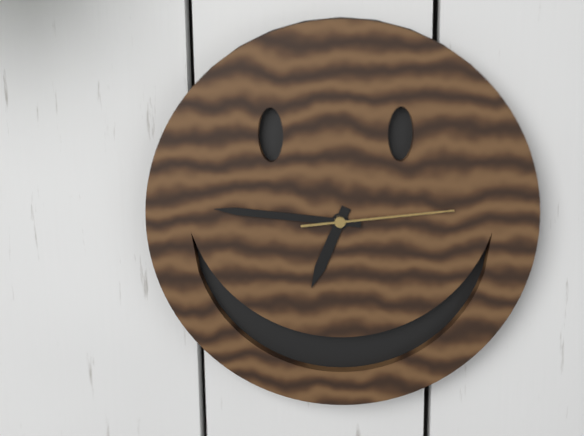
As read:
6.46.14
